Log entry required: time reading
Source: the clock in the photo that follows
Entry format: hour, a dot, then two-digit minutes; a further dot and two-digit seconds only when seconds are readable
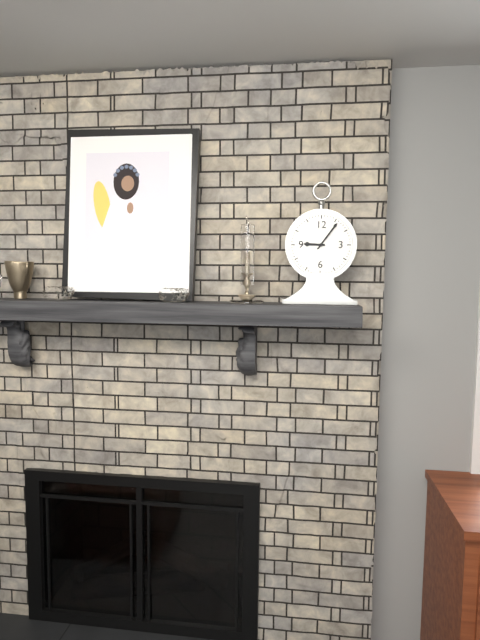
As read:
9.06
